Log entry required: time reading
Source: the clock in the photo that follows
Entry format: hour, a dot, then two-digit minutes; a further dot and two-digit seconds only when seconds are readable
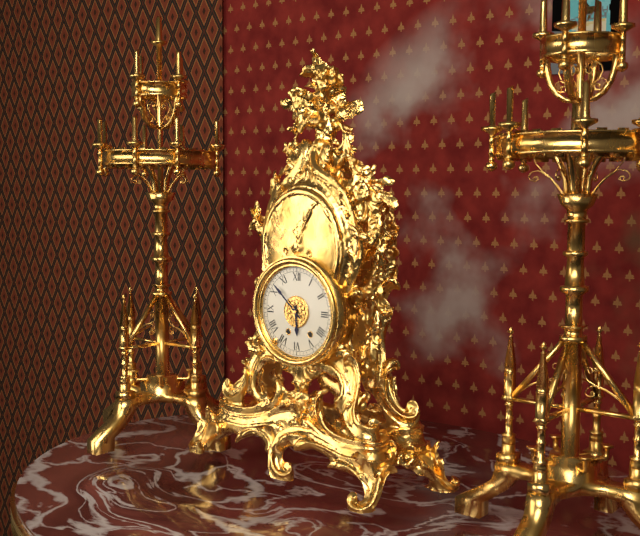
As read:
5.52
